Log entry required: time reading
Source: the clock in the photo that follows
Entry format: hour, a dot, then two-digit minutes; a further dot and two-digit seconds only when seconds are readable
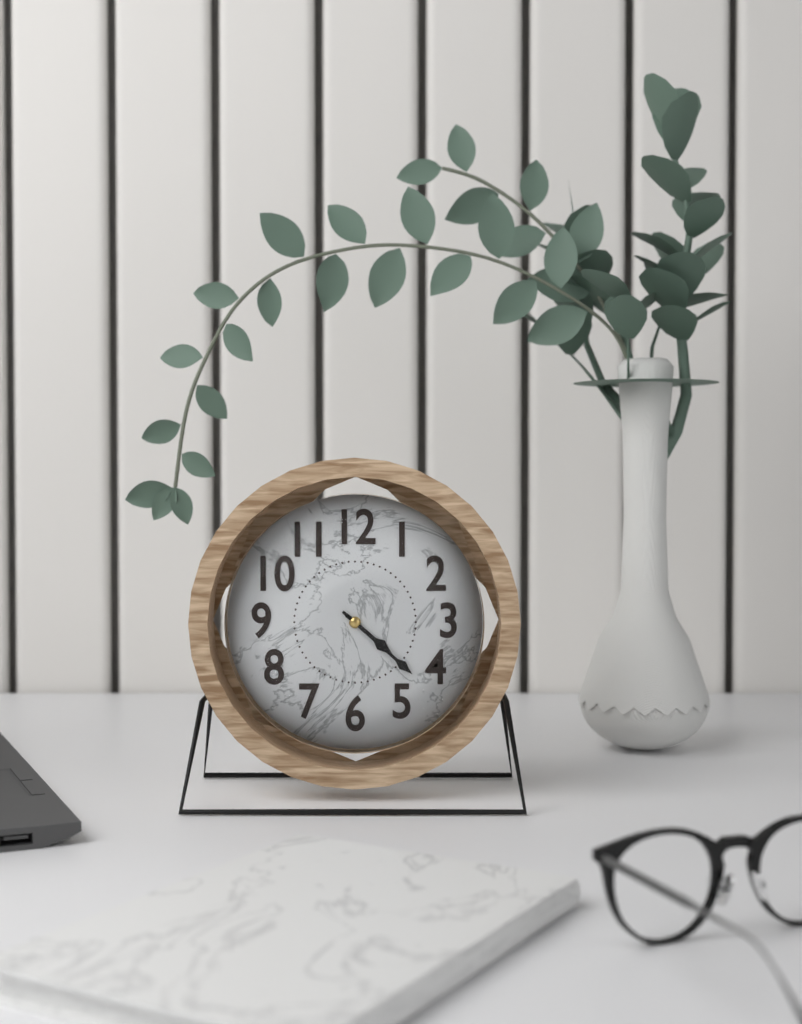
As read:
4.22
